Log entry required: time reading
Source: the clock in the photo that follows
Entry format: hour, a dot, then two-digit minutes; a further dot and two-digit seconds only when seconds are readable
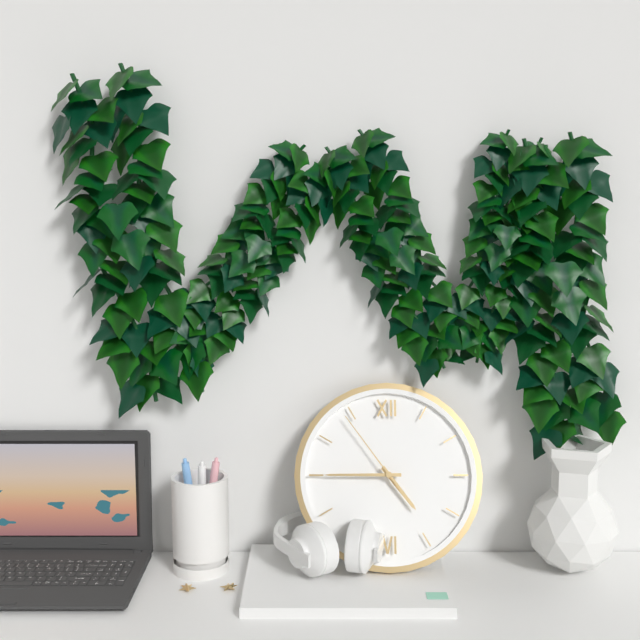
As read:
4.45.54
